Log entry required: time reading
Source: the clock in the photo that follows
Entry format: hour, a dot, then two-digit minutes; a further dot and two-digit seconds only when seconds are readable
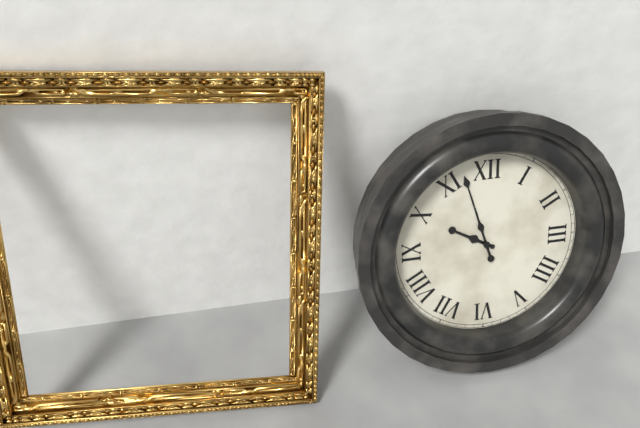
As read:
9.57
